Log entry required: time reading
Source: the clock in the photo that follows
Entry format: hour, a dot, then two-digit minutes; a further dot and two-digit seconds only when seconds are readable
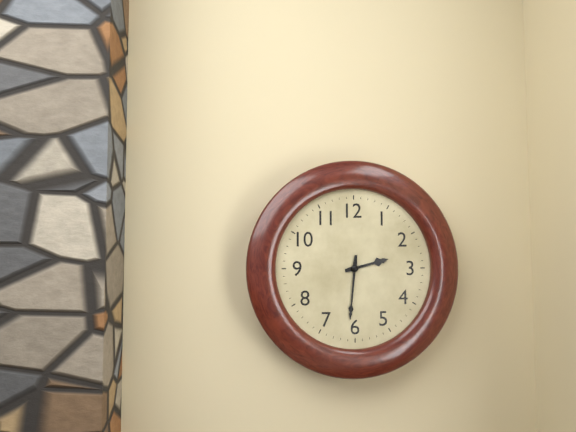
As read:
2.31
